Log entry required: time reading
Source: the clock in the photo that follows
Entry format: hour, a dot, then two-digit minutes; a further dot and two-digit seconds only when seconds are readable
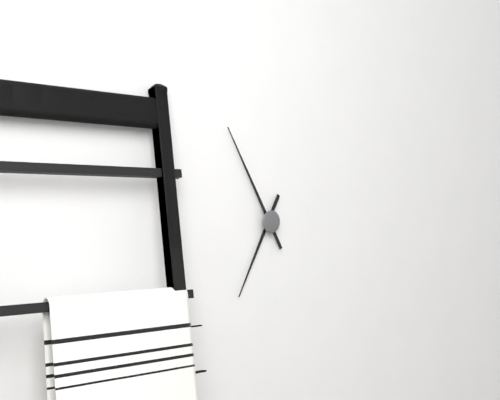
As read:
6.55
